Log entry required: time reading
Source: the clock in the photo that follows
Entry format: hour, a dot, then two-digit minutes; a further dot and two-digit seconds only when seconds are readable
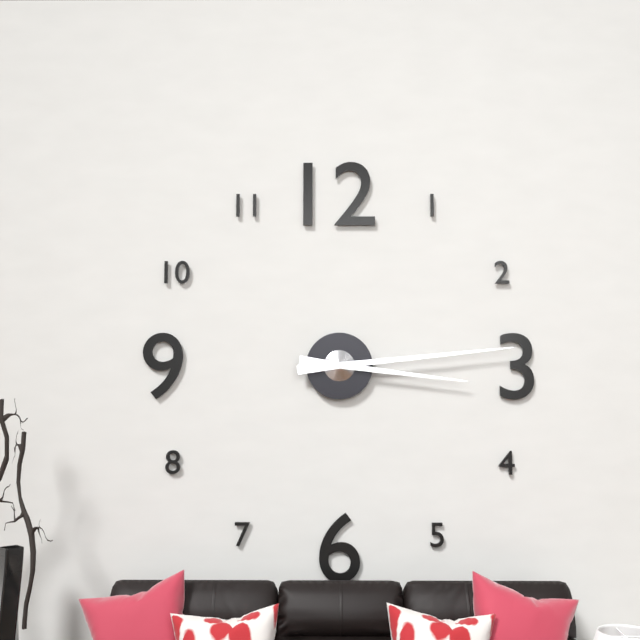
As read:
3.14
